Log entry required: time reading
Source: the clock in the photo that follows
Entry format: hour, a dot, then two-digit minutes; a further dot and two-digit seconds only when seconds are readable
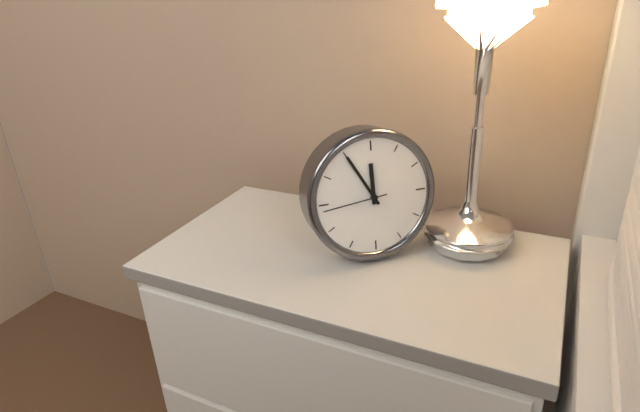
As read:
11.55.44
